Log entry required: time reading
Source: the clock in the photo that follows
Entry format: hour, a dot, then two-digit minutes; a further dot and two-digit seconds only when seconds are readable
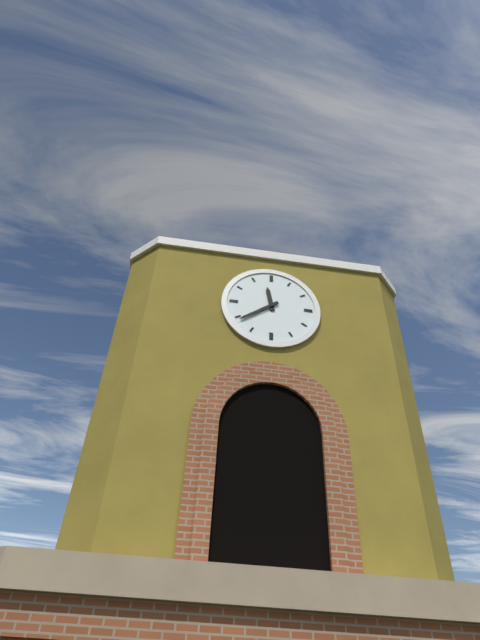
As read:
11.39
